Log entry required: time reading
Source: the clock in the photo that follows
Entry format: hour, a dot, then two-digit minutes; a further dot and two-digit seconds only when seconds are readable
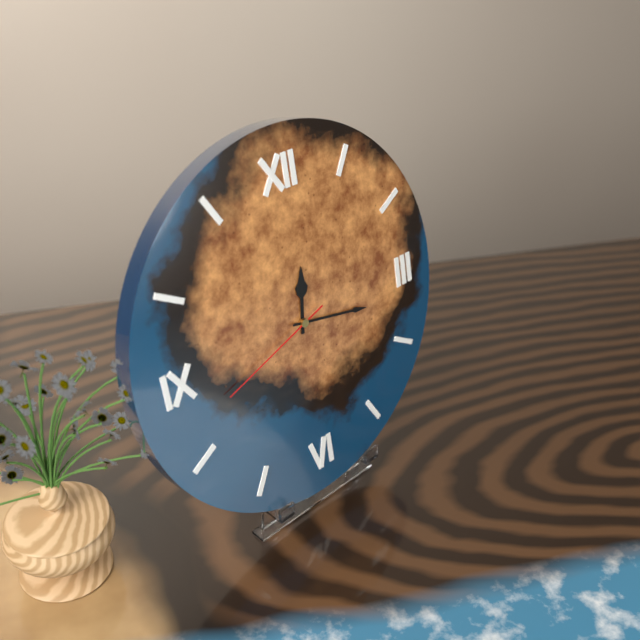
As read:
12.17.42
